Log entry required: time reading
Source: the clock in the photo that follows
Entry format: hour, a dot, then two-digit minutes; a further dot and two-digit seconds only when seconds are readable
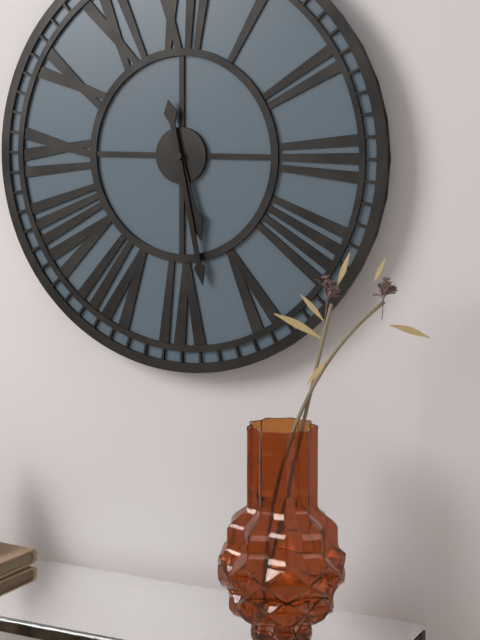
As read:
5.28
